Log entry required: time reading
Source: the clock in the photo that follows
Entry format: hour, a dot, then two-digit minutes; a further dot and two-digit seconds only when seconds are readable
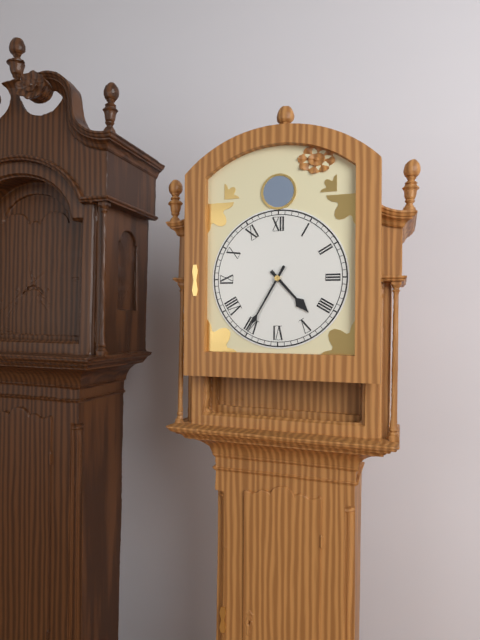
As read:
4.35
